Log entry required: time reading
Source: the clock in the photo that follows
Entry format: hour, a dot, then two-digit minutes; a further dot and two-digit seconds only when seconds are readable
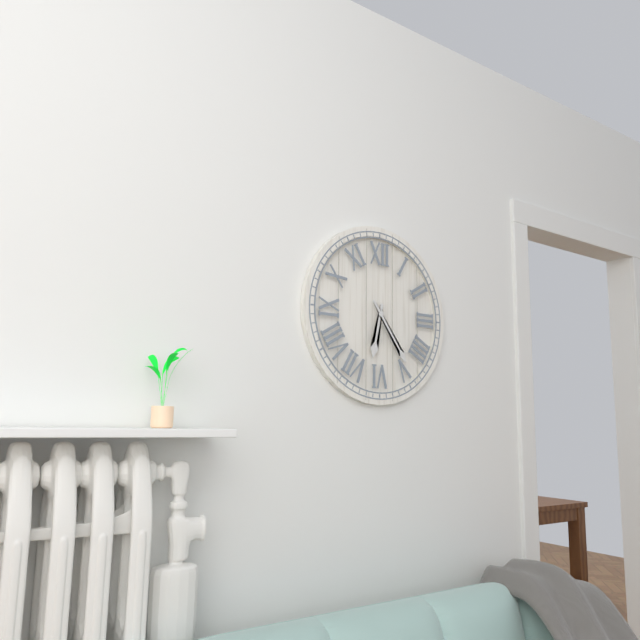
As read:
6.24
